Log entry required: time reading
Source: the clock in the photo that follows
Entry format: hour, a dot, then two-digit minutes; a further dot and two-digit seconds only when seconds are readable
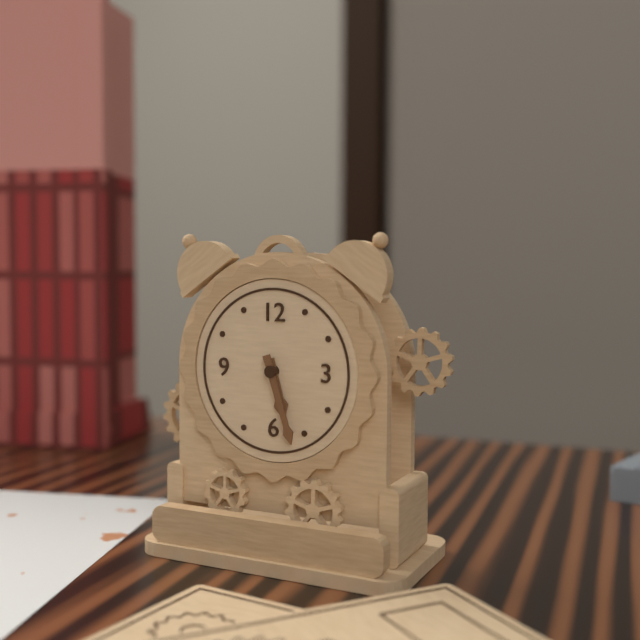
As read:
5.27
